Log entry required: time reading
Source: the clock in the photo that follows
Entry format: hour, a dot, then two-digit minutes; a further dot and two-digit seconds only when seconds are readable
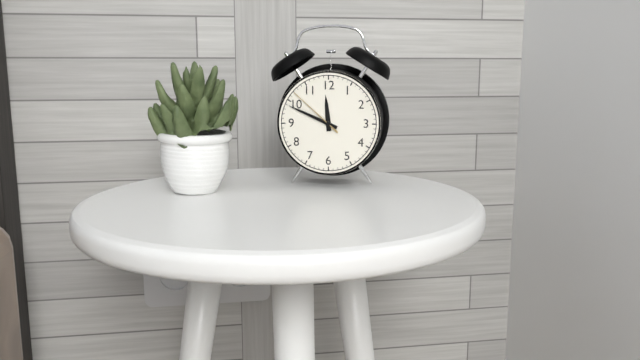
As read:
11.49.52
